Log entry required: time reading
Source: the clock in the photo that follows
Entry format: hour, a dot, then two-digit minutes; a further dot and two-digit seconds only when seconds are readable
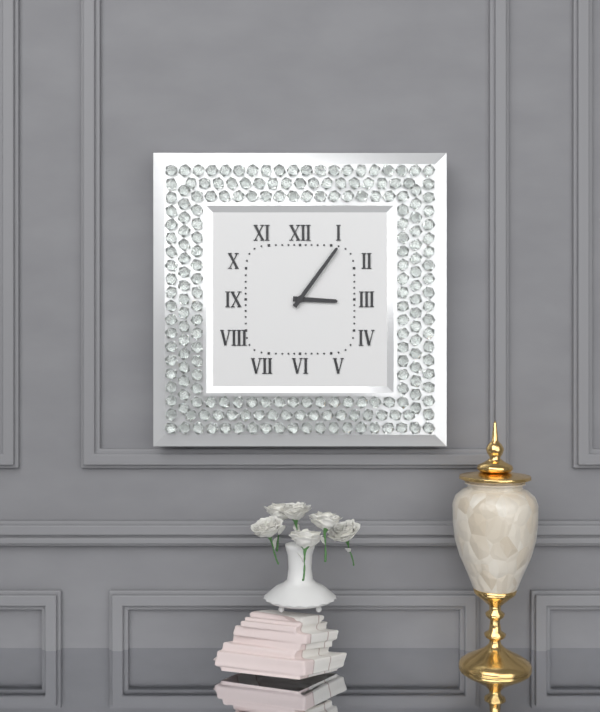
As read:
3.06
